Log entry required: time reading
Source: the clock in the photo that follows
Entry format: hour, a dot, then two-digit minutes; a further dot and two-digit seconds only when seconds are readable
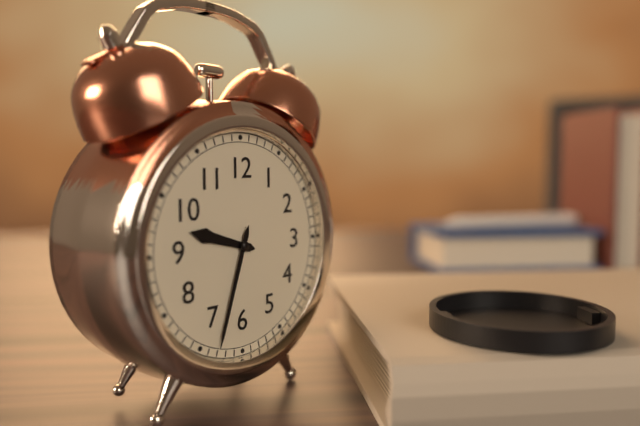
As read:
9.33
